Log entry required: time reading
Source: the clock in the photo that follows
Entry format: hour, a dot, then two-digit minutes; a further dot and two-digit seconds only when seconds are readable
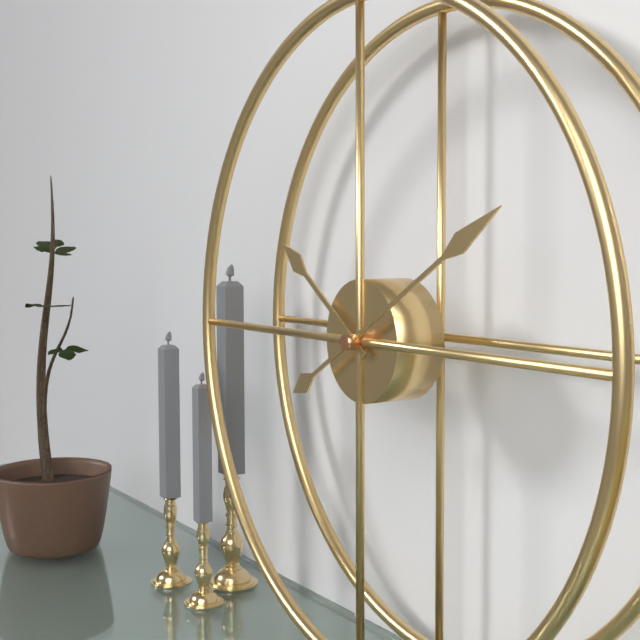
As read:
10.10
